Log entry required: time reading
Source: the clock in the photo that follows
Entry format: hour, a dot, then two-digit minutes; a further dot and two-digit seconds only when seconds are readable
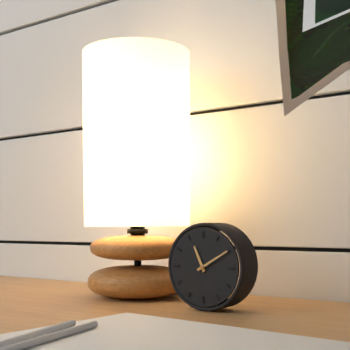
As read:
11.10
